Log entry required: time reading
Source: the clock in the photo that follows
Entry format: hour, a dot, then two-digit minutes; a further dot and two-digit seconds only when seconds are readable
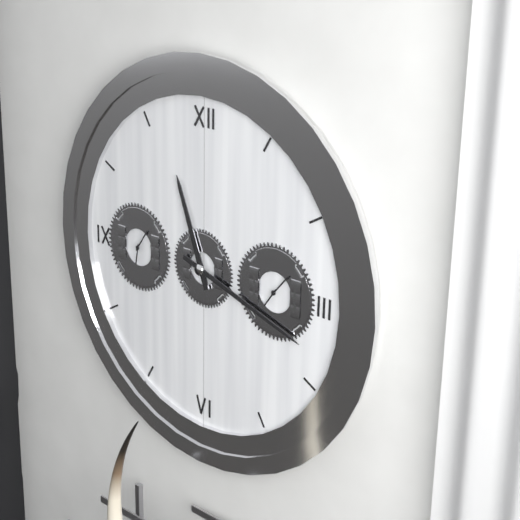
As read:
11.18
